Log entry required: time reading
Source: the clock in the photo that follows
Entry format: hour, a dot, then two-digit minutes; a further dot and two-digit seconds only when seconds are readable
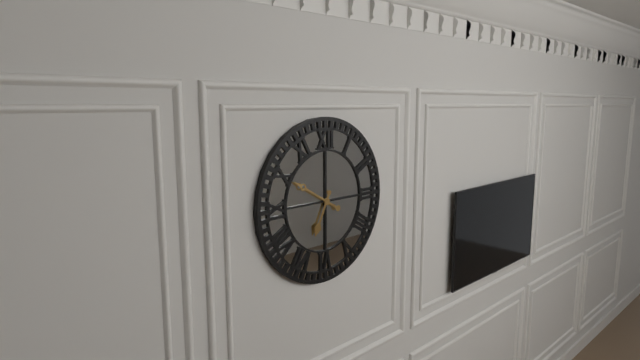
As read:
6.50
